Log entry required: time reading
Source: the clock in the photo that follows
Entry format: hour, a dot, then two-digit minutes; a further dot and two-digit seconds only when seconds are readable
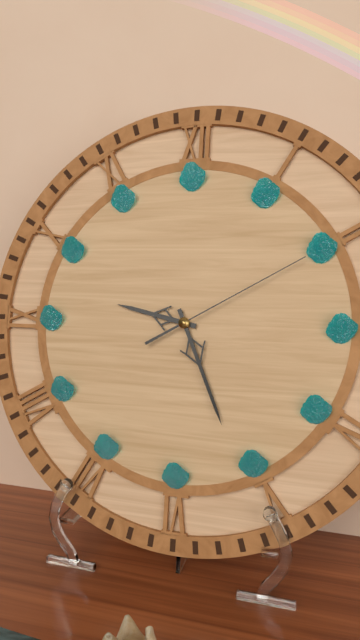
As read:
9.26.10
